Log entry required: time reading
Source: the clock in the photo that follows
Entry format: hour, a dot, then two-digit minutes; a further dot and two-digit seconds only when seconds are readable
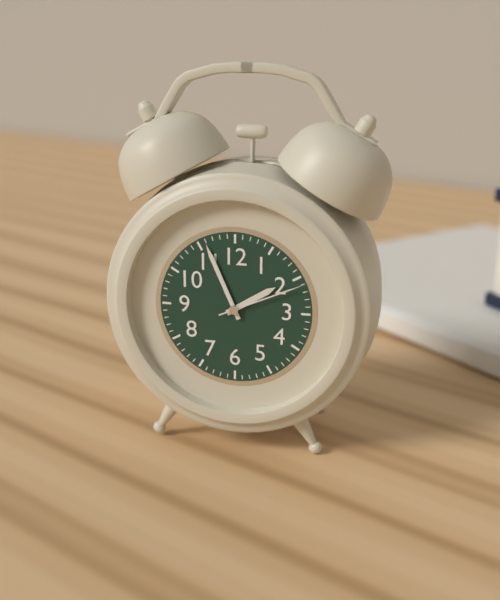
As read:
1.56.11
